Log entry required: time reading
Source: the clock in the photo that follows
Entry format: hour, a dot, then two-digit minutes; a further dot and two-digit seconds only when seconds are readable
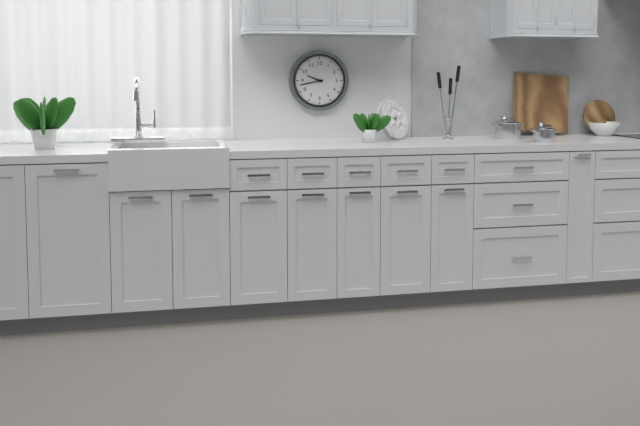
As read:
9.43
